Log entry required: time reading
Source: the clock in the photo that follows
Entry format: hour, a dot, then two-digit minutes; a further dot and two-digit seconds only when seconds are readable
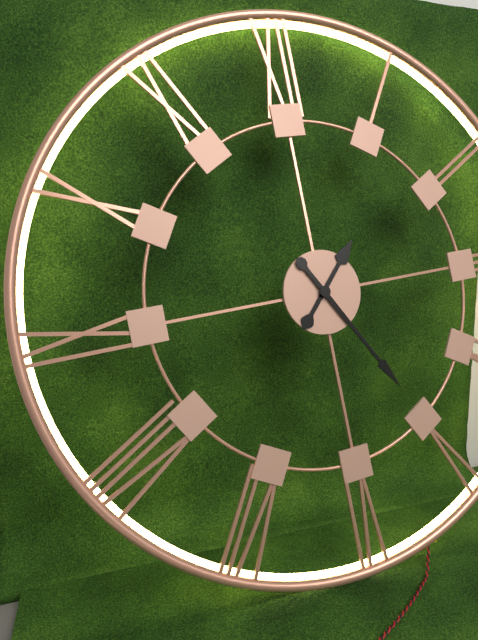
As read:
1.25
